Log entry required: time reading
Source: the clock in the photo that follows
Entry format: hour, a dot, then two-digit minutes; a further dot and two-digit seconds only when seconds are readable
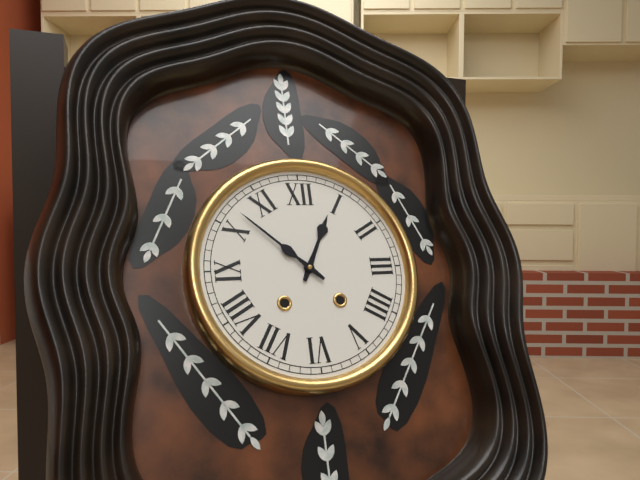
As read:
12.52
